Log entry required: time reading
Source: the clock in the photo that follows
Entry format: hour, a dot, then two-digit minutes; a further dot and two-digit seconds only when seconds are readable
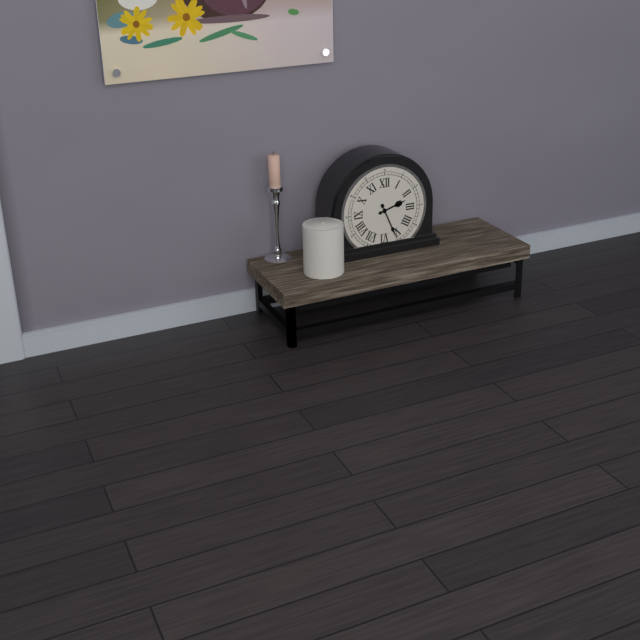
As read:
2.26
